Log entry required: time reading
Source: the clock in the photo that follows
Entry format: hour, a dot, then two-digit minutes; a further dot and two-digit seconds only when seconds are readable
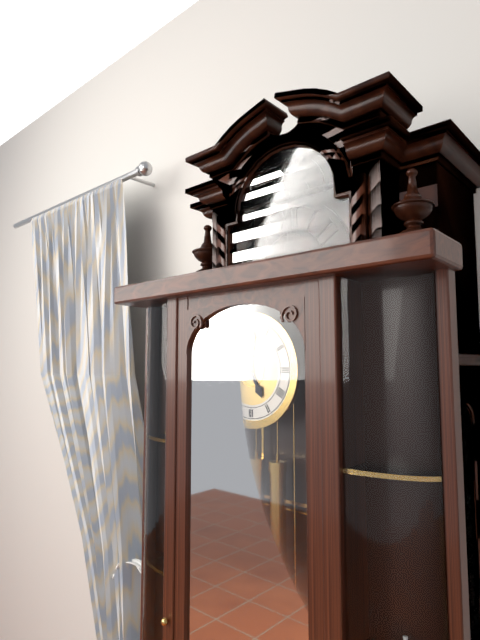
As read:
5.01
